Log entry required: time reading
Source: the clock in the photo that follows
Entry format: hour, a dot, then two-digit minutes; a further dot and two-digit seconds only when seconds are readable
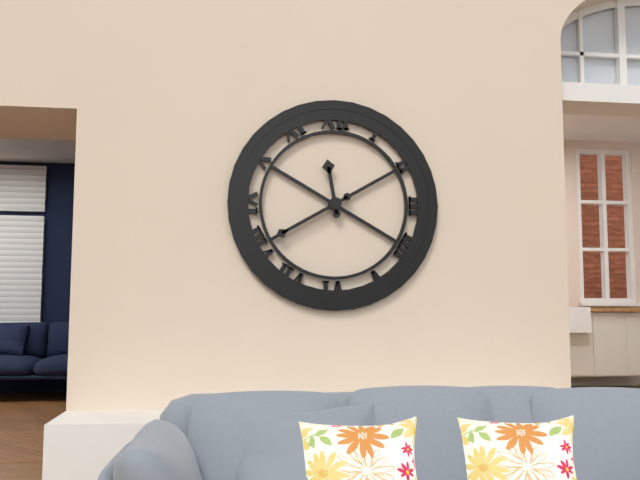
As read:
11.40
